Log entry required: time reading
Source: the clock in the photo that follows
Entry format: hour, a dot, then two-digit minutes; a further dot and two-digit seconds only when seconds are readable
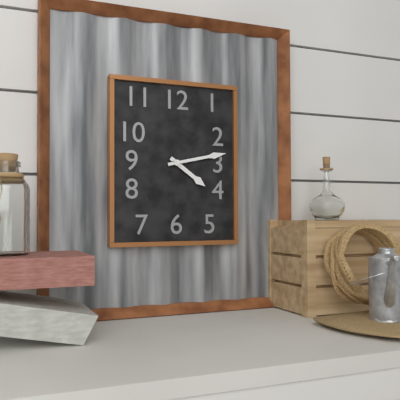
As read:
4.13
